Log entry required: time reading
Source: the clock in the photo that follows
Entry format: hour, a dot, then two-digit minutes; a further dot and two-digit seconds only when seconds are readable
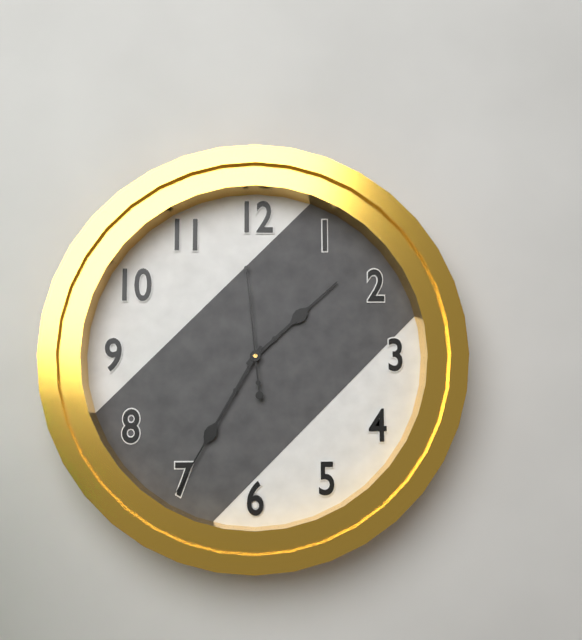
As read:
1.35.59
